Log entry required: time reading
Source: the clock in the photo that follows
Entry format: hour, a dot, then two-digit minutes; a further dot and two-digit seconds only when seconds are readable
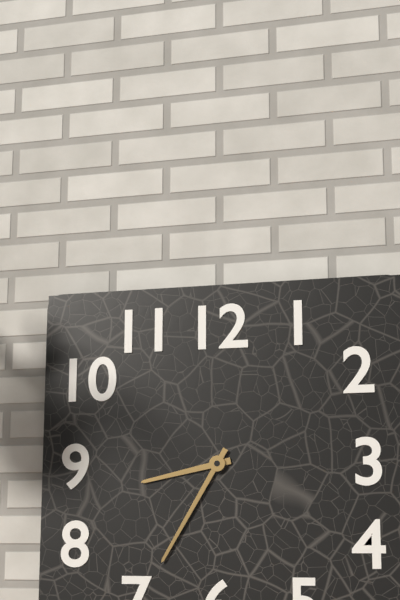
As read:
8.35
